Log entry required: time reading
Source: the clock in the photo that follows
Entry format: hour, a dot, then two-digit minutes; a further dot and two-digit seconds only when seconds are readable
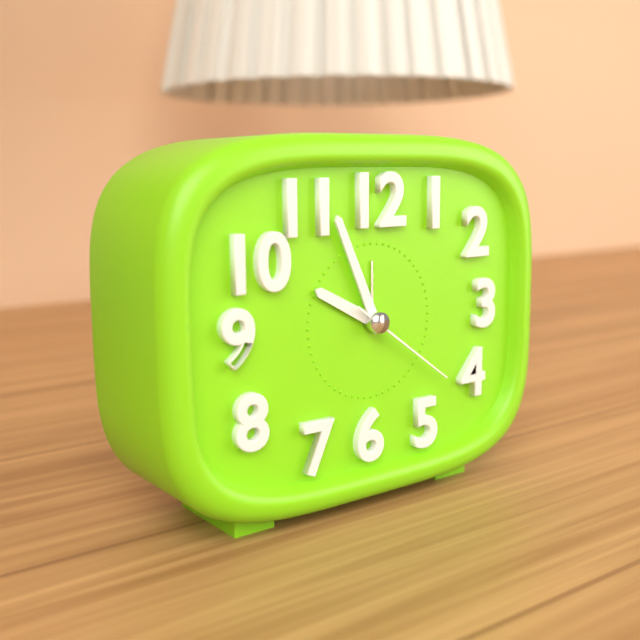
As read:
9.56.21
